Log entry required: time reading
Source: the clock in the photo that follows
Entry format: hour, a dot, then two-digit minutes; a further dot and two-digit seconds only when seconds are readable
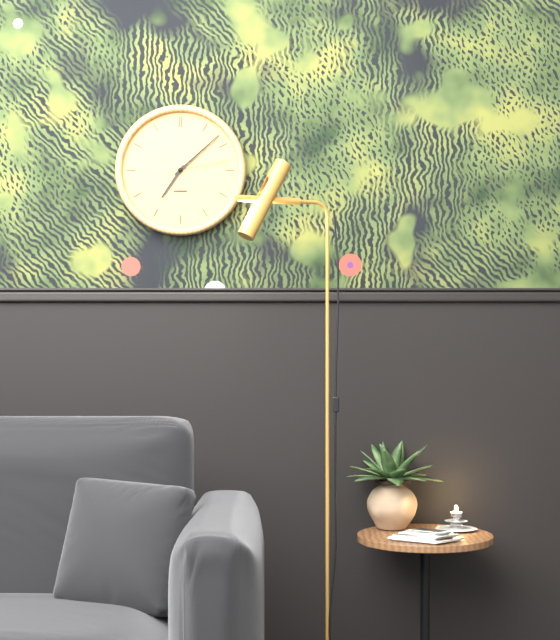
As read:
7.08.13
